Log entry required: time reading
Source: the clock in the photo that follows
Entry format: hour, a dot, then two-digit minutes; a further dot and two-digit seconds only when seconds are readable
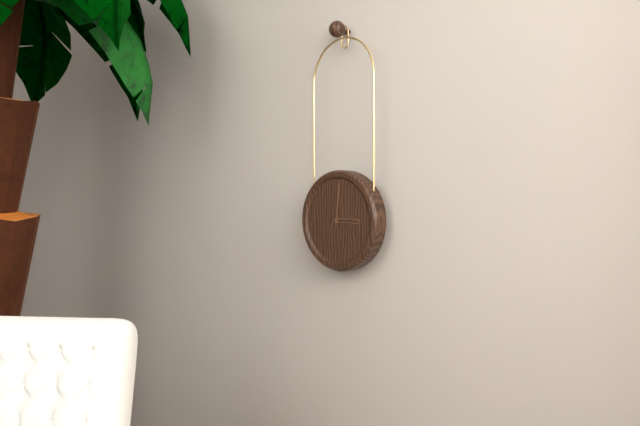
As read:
3.01
